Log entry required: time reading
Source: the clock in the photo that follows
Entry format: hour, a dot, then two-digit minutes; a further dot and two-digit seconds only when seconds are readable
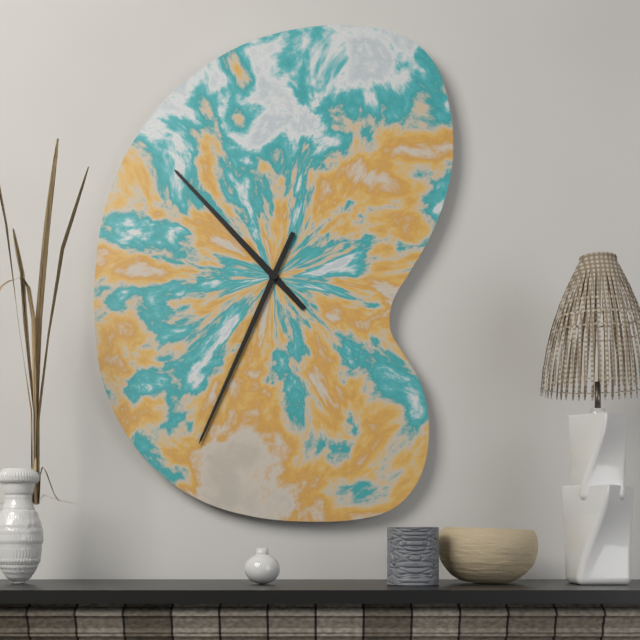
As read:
10.34
